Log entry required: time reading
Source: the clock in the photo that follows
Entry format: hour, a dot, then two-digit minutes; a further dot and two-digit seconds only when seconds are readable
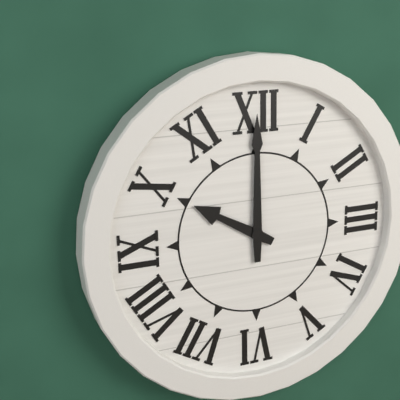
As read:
10.00
